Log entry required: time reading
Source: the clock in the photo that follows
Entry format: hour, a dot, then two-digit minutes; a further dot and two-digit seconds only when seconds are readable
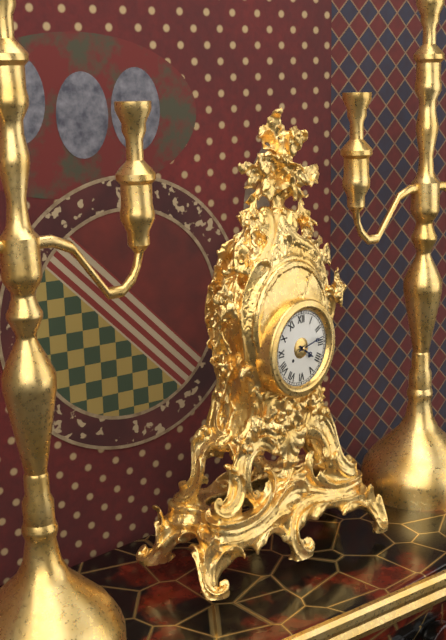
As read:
4.13
